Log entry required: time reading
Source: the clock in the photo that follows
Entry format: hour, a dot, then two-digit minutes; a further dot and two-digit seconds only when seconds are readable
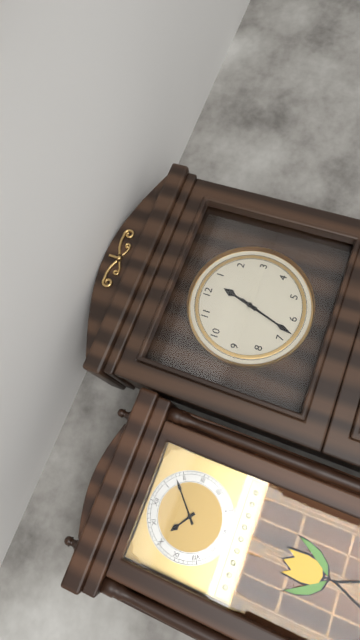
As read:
12.33
